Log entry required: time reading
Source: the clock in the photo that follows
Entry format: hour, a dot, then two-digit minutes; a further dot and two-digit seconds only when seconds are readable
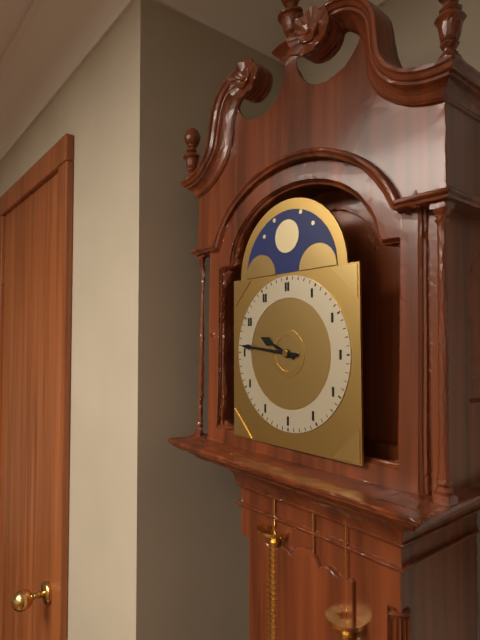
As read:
9.46
